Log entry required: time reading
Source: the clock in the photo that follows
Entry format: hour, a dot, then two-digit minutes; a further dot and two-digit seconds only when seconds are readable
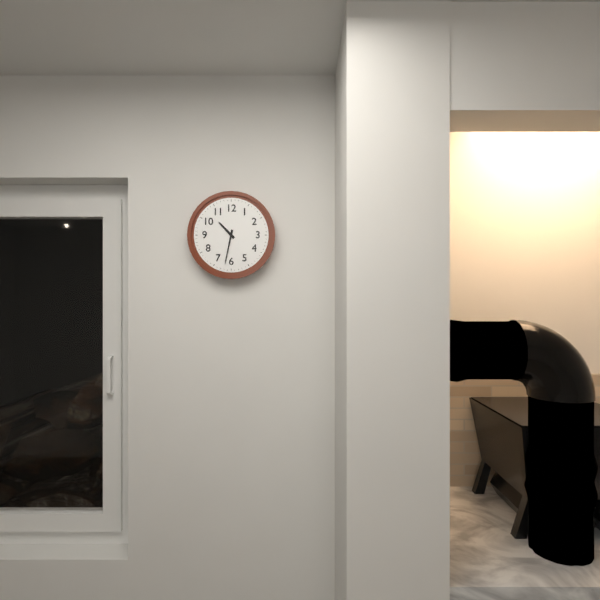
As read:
10.32
